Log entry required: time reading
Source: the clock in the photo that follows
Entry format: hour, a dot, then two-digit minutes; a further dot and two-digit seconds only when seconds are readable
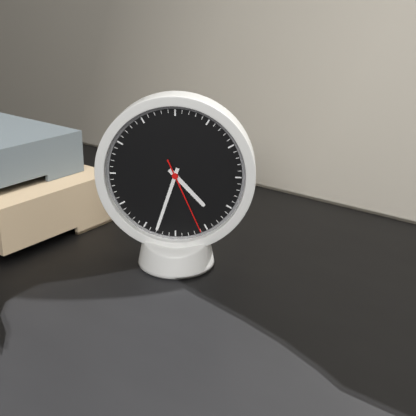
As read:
4.33.26
